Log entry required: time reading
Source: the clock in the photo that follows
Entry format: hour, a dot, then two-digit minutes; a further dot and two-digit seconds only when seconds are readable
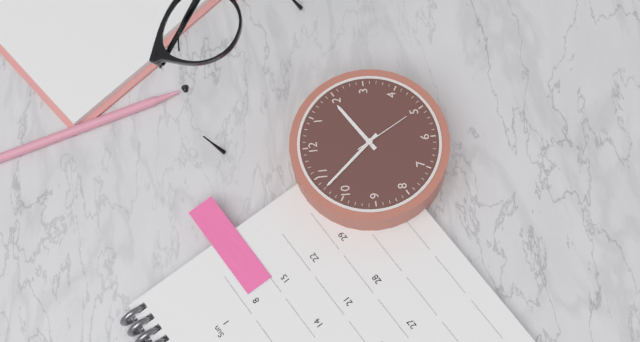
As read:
1.53.25
